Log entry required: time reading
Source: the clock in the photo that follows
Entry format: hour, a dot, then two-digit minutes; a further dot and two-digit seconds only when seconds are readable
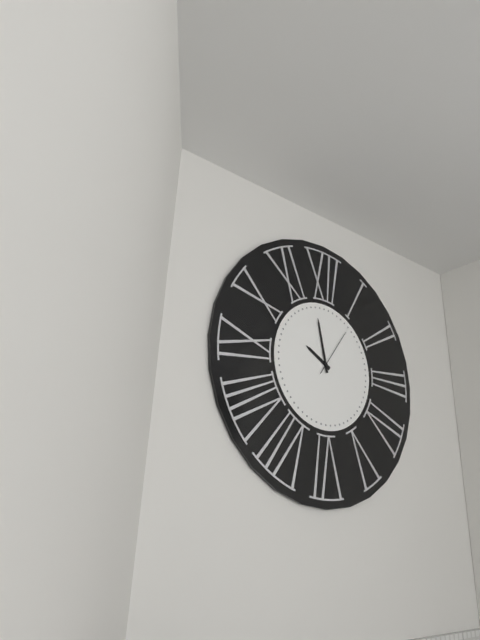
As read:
9.58
